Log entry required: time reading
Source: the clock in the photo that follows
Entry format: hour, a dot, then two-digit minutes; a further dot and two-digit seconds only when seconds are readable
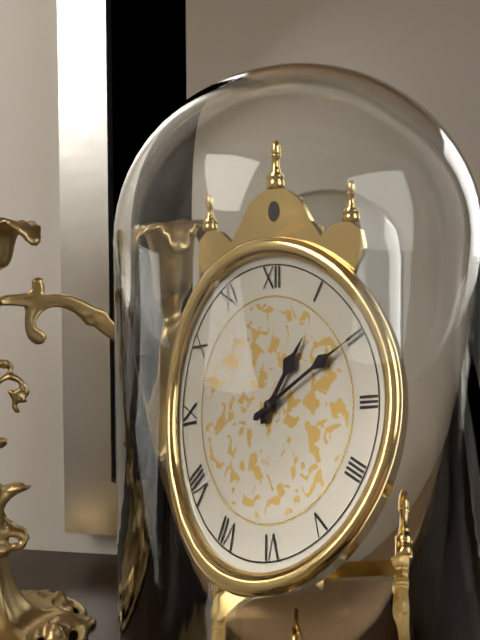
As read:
1.10
